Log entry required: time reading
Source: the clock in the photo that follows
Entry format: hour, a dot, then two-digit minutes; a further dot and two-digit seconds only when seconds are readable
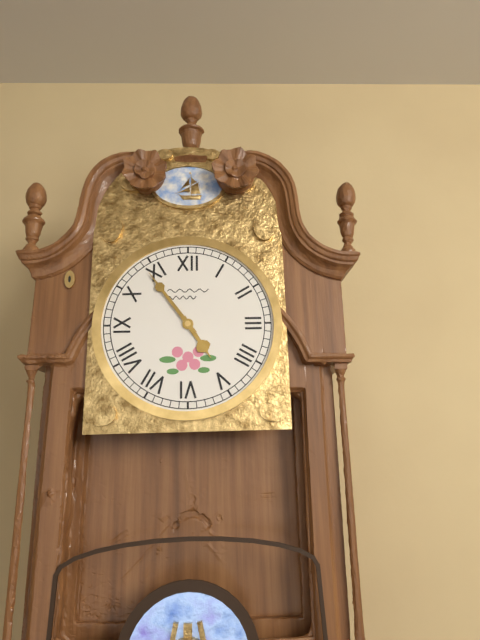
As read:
4.54
